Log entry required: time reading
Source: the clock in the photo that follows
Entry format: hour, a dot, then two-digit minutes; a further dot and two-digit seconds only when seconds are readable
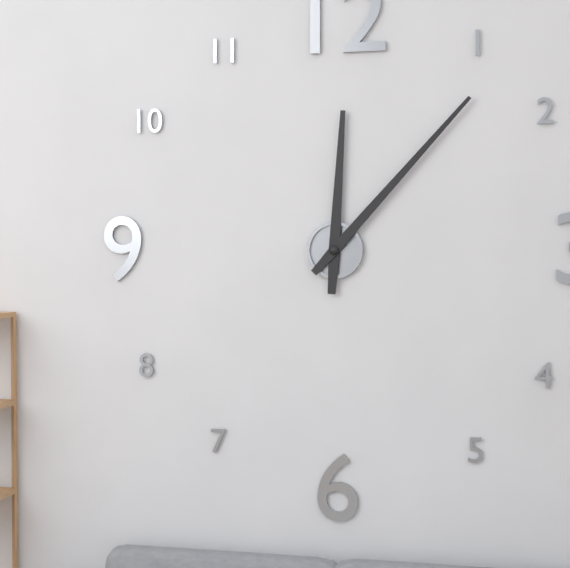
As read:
12.07
